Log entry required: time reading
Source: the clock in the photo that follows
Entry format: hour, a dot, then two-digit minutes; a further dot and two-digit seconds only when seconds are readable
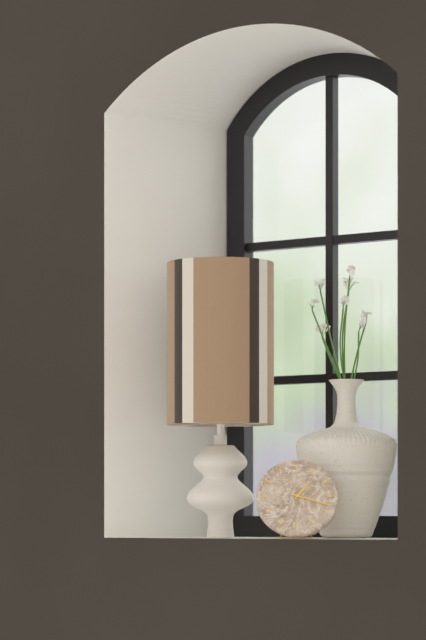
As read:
1.18
